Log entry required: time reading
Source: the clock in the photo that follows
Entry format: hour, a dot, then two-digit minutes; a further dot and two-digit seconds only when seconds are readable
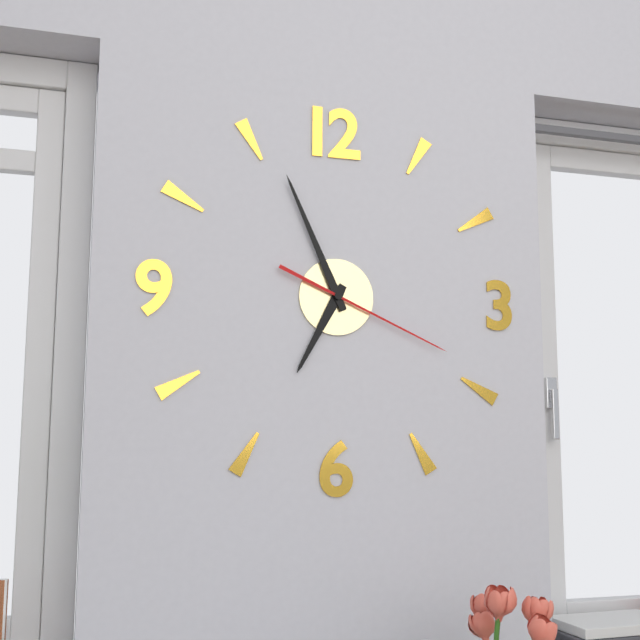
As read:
6.56.19
